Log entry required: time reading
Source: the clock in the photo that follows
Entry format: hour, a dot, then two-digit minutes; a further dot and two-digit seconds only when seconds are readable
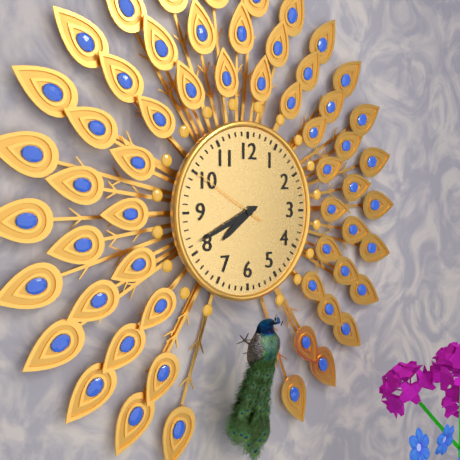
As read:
7.41.50
